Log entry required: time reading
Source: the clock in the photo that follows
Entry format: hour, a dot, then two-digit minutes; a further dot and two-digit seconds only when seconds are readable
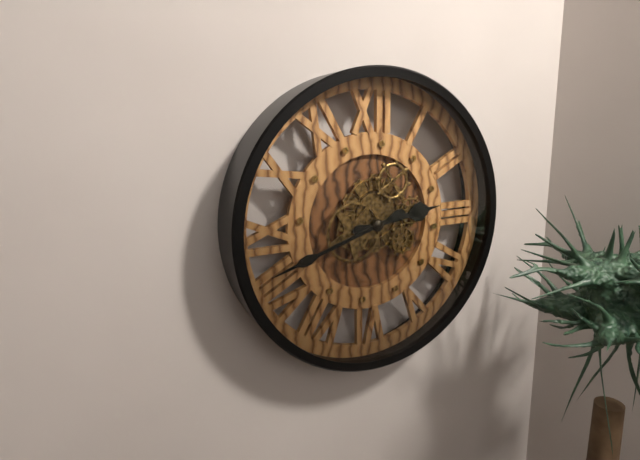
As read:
2.42
